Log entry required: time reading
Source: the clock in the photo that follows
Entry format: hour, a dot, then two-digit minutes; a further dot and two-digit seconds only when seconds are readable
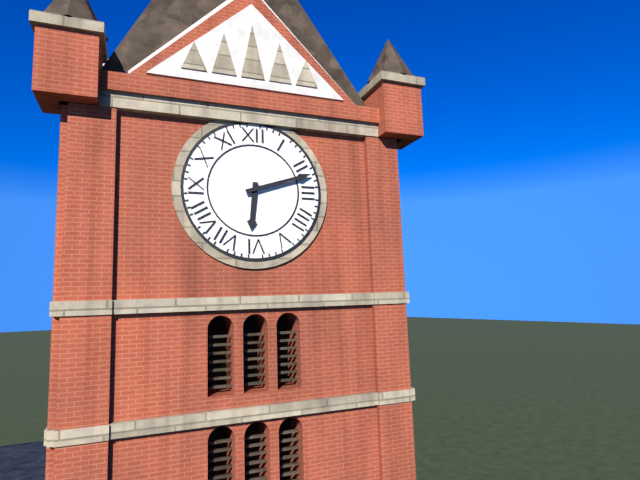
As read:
6.12
